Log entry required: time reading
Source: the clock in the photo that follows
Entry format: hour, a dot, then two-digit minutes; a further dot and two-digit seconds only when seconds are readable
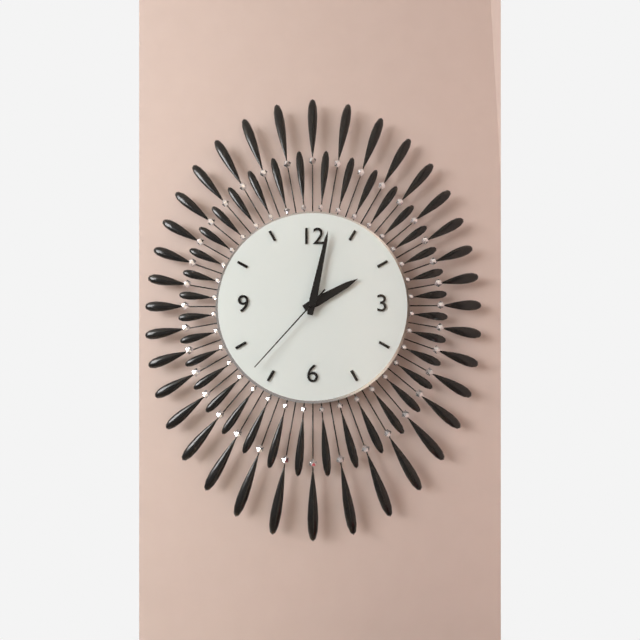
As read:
2.02.37
